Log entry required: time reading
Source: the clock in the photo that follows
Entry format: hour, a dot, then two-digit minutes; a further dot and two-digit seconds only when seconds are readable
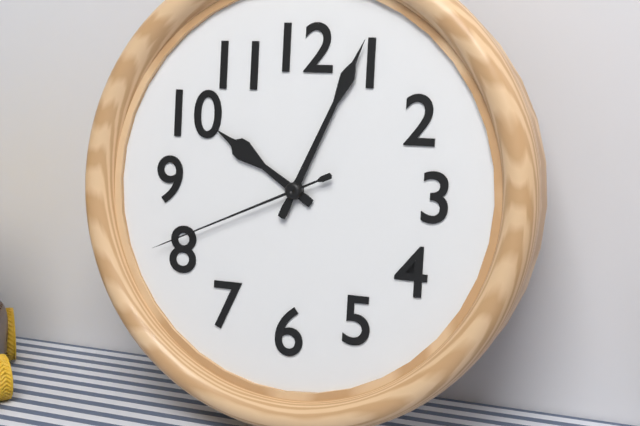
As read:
10.04.41
